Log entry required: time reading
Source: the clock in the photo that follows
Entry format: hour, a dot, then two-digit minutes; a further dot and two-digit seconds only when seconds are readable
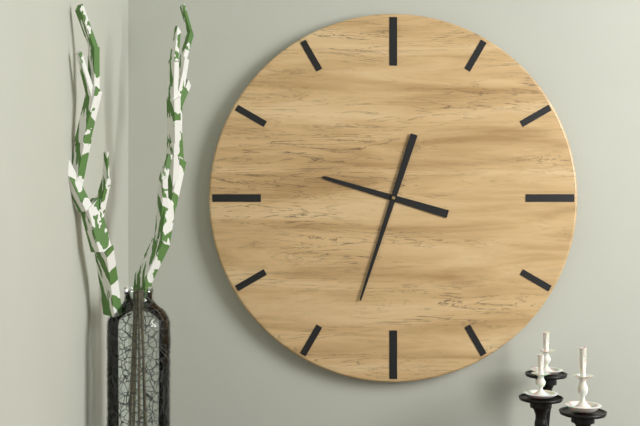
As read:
9.33
